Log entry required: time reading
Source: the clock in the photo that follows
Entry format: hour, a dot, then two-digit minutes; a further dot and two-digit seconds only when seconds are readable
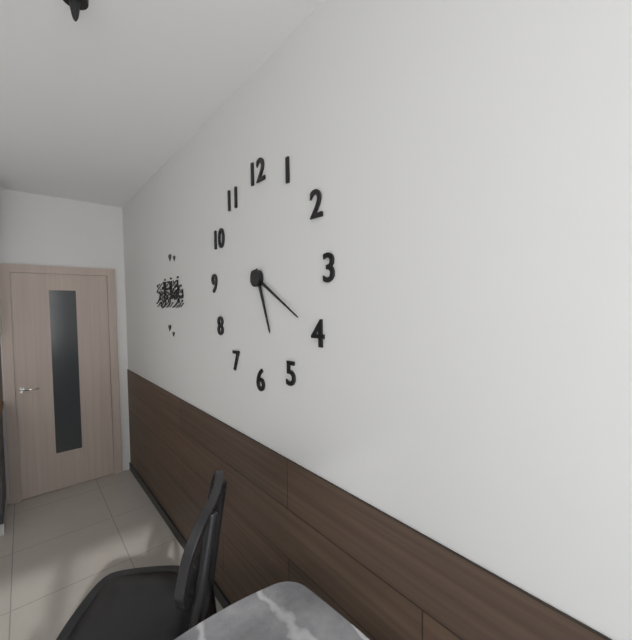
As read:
5.20
